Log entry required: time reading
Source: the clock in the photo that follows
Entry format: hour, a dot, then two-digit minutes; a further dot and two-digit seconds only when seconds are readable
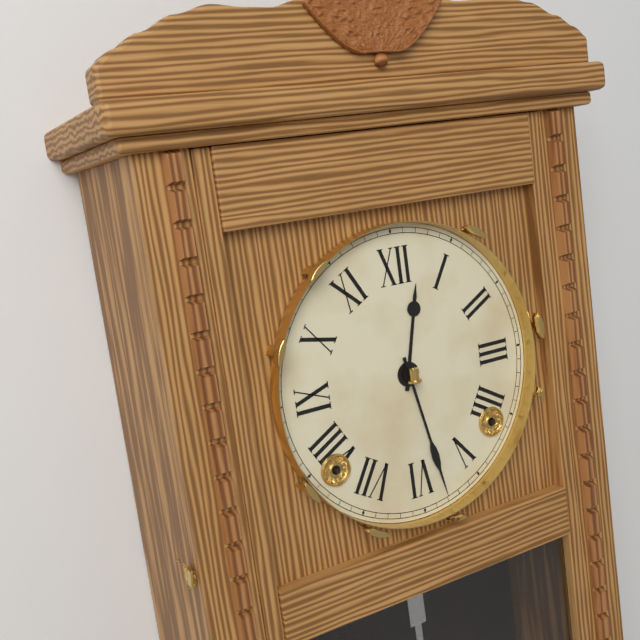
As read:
12.28
